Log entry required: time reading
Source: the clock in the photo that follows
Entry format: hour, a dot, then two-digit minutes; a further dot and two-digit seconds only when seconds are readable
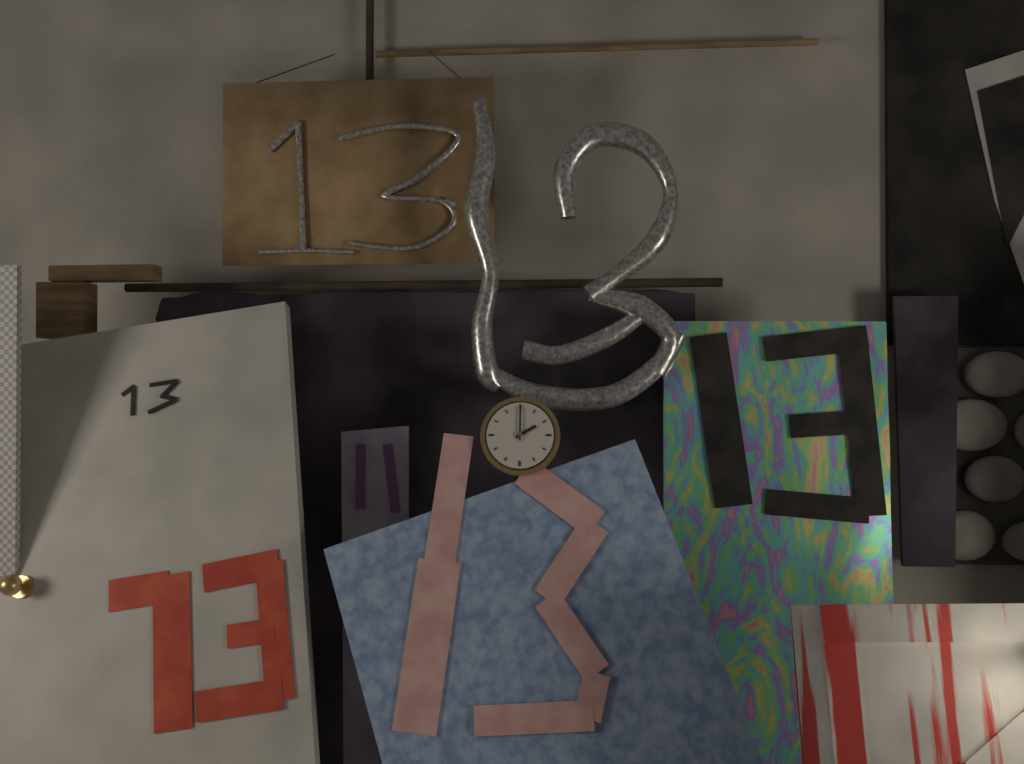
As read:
2.00
